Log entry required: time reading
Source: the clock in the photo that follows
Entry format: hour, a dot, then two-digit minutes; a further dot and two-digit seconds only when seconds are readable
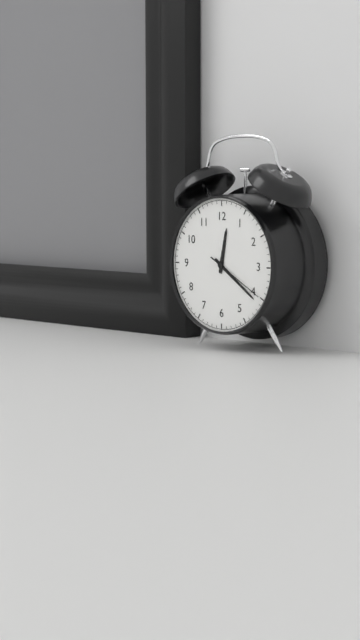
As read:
12.21.20
